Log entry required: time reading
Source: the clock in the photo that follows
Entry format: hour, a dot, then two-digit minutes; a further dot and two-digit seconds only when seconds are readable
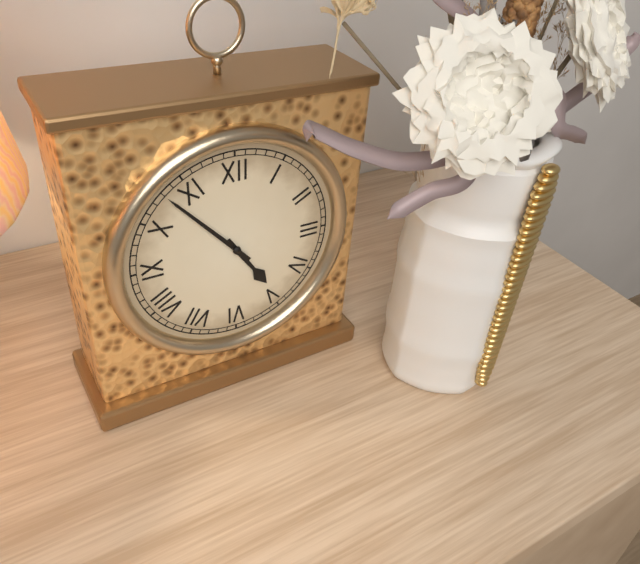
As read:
4.53
